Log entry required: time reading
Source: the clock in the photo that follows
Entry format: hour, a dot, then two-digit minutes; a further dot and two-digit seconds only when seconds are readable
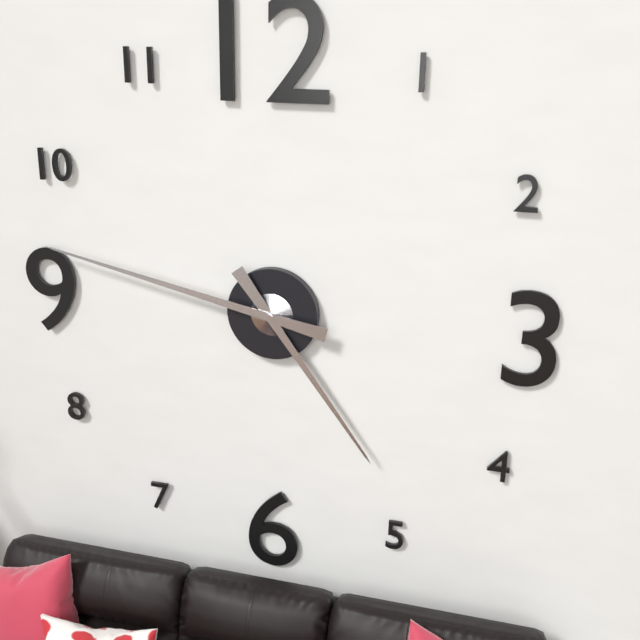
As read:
4.47
